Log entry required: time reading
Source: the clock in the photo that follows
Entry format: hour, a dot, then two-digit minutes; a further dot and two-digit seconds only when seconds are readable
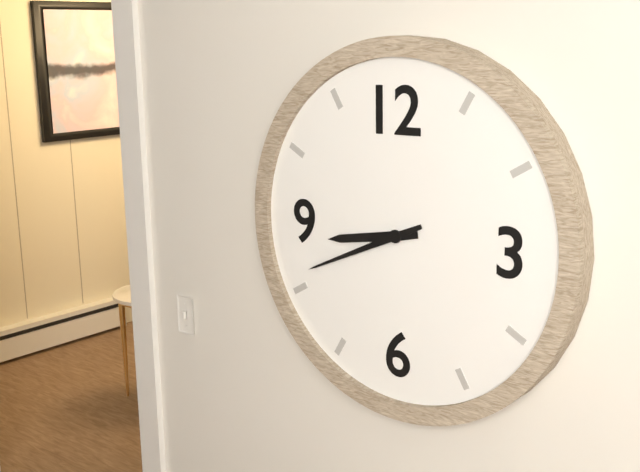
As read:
8.41
